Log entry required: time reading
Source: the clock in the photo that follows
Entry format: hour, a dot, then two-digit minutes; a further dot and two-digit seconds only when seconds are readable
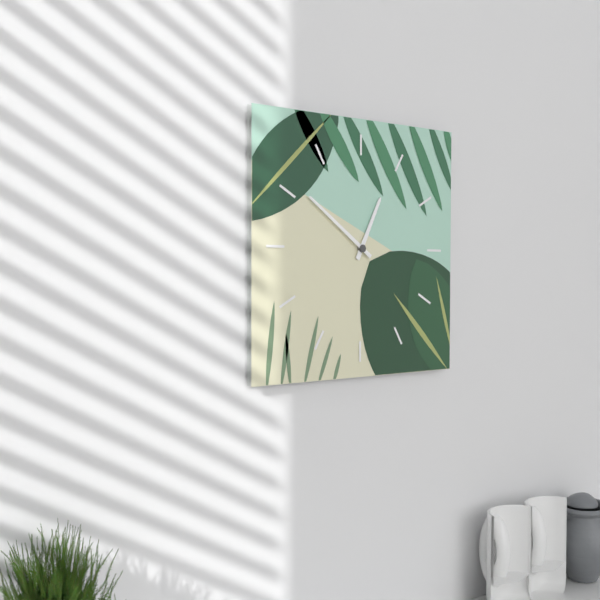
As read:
12.51
